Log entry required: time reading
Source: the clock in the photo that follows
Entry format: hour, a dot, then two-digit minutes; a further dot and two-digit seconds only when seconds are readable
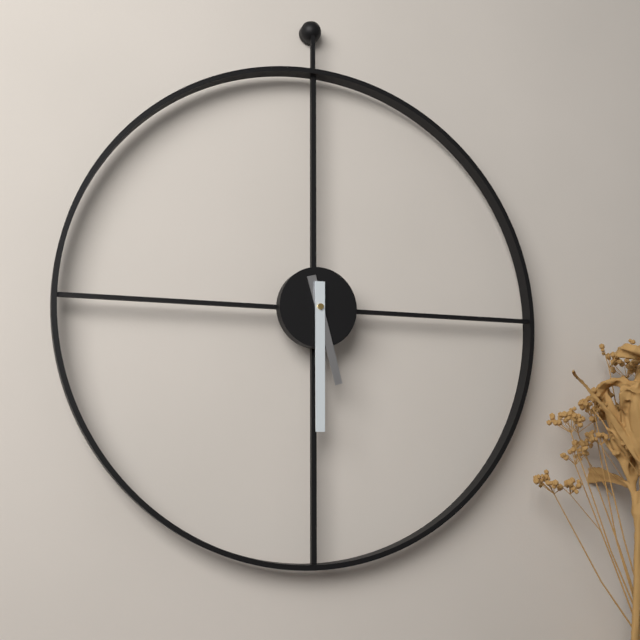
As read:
5.30
